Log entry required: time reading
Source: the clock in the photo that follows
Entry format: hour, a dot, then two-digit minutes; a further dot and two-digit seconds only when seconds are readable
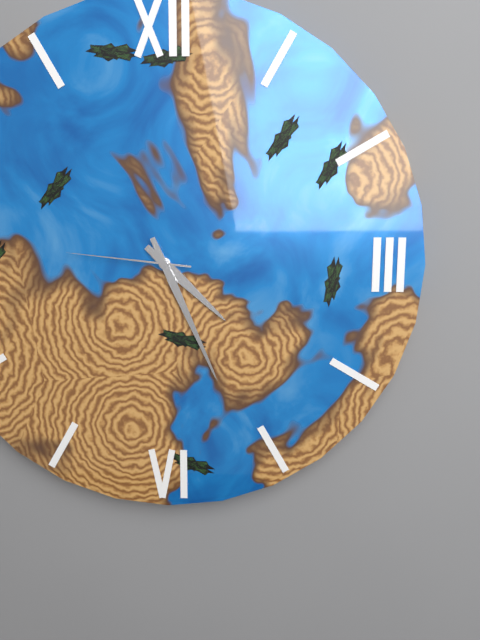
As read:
4.26.46
